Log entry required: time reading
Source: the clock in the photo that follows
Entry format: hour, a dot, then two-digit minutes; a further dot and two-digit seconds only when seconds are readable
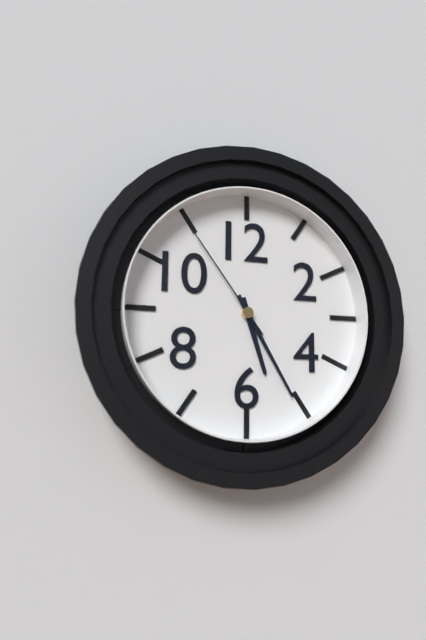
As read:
5.25.54
